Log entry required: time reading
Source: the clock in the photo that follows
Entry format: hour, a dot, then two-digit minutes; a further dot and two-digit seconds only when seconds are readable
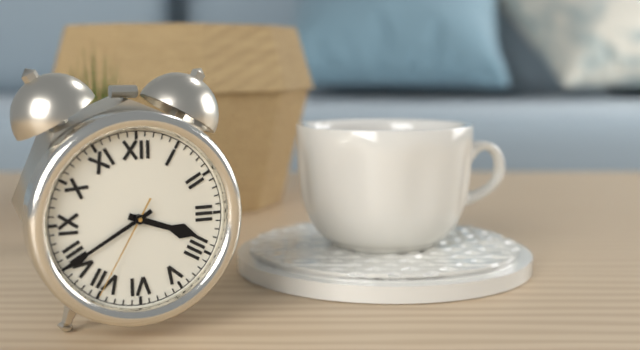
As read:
3.40.35
